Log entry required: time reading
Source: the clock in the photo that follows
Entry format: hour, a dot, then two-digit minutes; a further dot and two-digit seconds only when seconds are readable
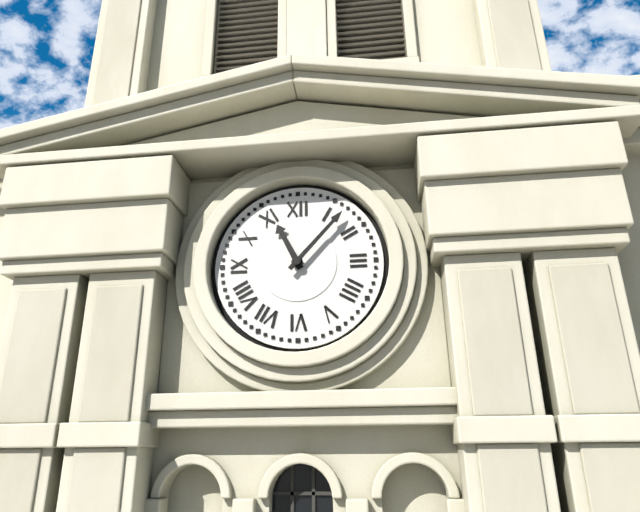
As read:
11.07
